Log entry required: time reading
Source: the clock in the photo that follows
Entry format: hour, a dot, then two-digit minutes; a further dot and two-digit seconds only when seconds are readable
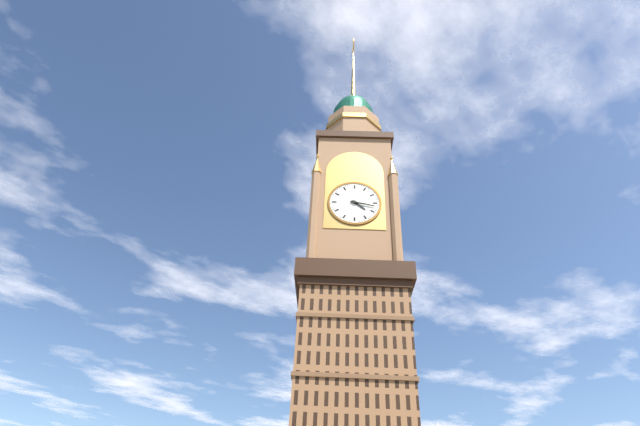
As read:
4.17
